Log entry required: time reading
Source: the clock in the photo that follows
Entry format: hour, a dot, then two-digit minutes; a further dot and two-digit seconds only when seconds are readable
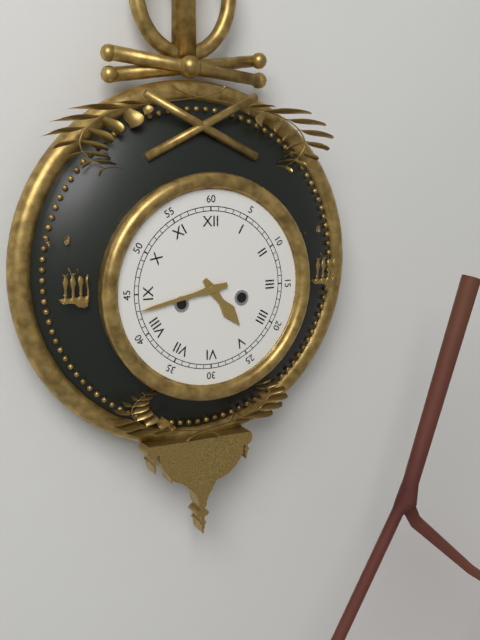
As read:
4.43
